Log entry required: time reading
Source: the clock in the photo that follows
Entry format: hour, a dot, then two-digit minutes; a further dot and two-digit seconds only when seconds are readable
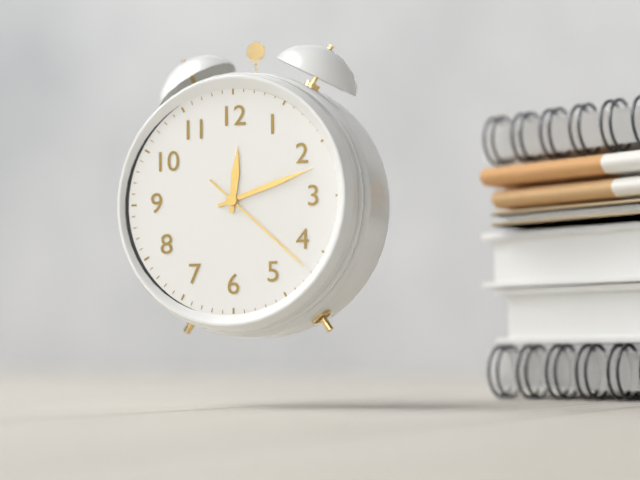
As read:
12.12.22
